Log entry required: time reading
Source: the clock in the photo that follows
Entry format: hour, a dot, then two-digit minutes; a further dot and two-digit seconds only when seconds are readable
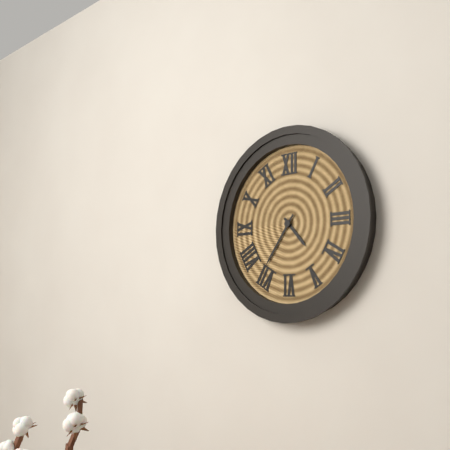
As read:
4.36
